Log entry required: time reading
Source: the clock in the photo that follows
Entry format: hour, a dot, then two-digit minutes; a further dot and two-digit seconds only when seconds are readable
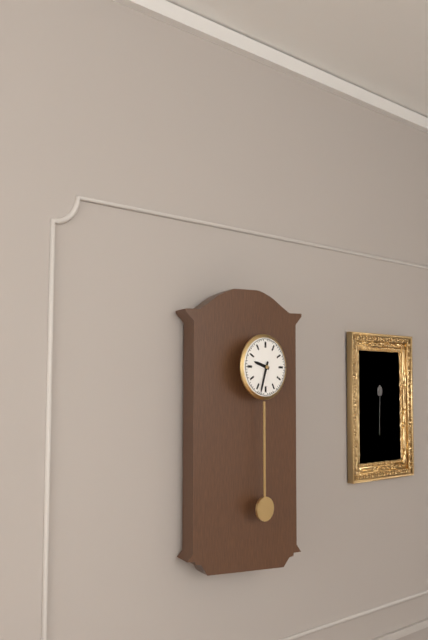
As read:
9.33
